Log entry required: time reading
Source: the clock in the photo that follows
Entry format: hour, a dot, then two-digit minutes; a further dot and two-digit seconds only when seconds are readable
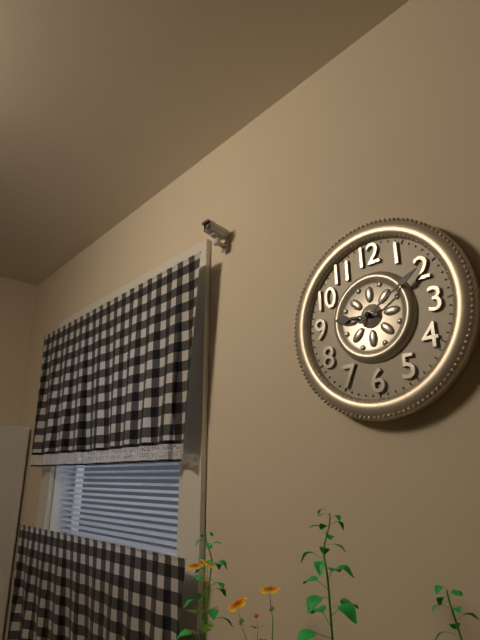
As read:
9.10
